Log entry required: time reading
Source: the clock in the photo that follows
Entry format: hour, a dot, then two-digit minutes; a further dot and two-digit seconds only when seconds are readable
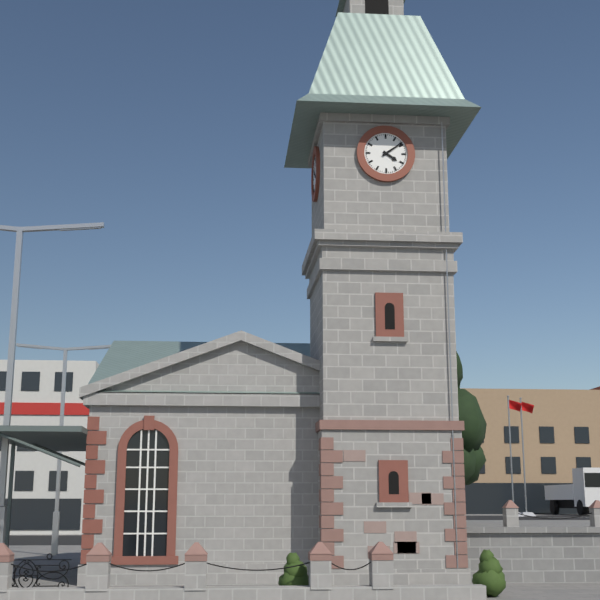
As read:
4.09
